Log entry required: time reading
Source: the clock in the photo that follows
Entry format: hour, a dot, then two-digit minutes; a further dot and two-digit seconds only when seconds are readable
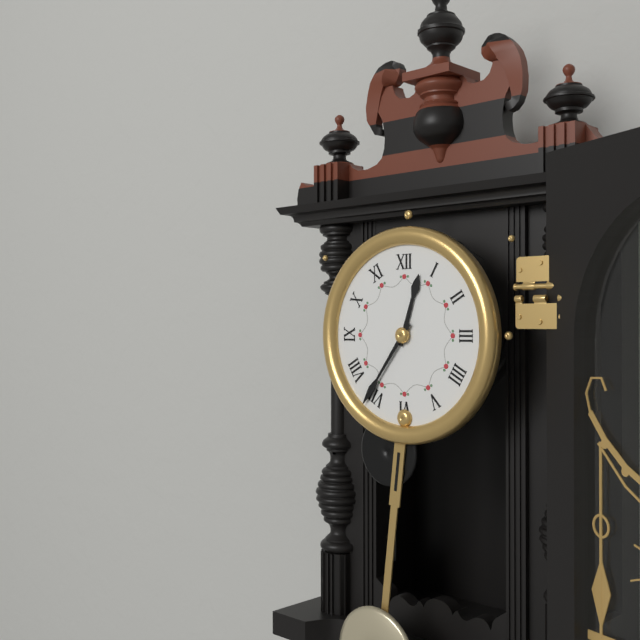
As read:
12.36
